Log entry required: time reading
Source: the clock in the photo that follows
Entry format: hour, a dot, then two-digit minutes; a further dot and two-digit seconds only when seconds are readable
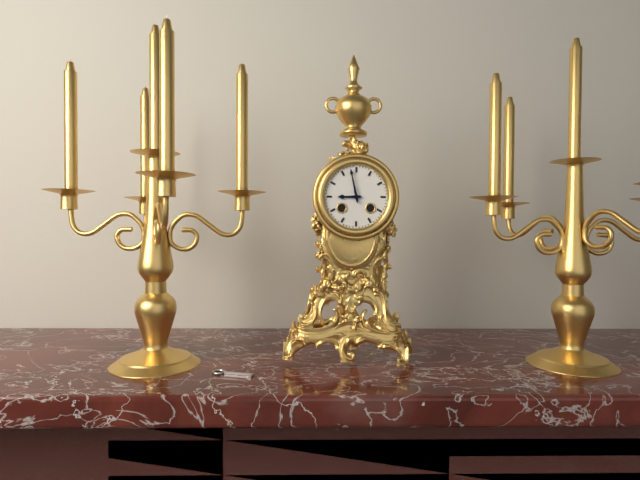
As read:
8.58
